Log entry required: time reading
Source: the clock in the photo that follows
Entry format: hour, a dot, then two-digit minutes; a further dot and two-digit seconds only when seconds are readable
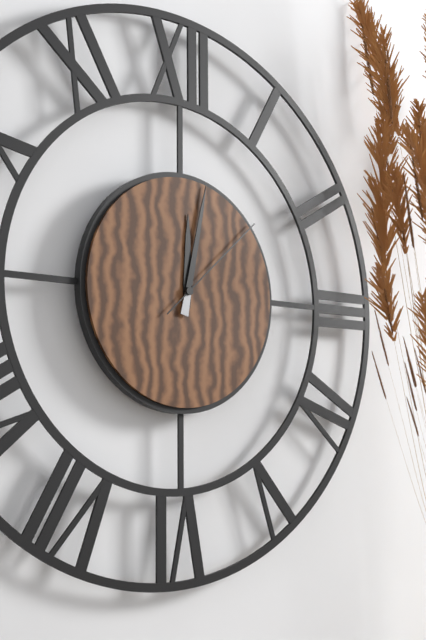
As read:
12.02.08
